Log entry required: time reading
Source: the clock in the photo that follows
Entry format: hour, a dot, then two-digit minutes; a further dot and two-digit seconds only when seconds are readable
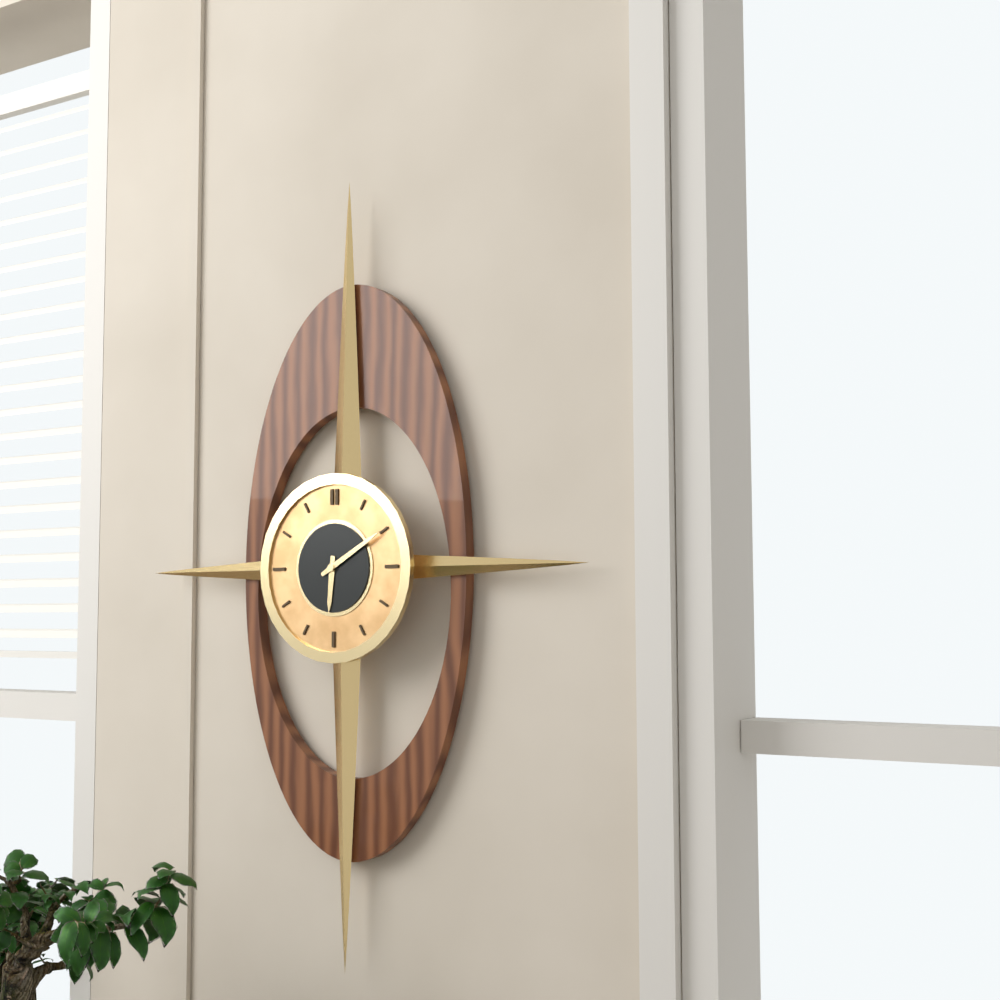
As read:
6.10
